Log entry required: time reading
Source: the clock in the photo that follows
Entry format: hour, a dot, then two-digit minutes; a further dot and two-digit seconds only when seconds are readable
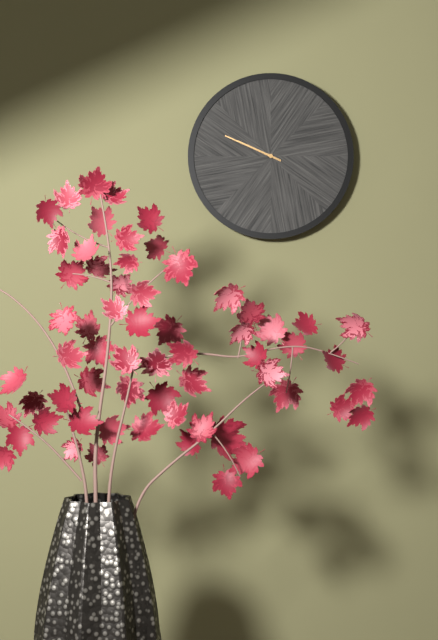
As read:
9.49
